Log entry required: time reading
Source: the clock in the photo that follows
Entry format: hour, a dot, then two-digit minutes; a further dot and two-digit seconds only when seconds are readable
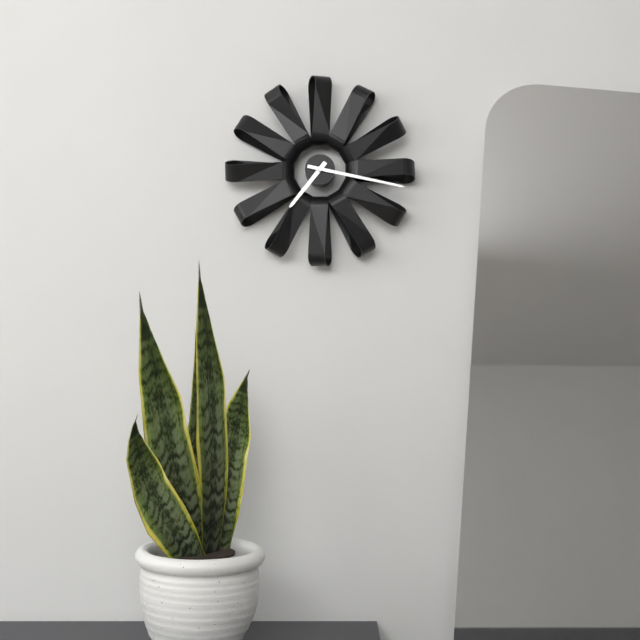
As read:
7.17
